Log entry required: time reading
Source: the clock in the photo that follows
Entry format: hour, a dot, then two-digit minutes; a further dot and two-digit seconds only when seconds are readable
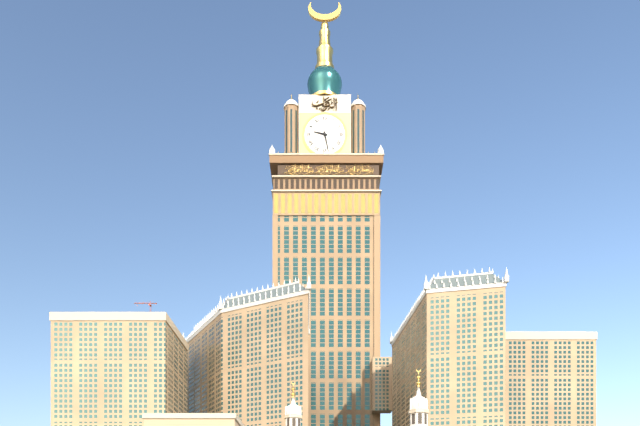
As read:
9.28
